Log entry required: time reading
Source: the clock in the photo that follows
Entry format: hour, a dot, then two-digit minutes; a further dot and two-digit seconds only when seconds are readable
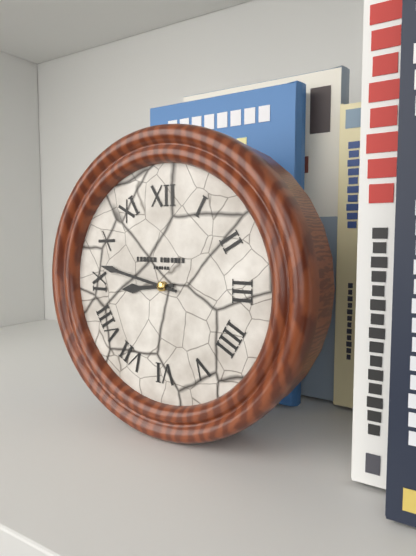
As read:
8.47
